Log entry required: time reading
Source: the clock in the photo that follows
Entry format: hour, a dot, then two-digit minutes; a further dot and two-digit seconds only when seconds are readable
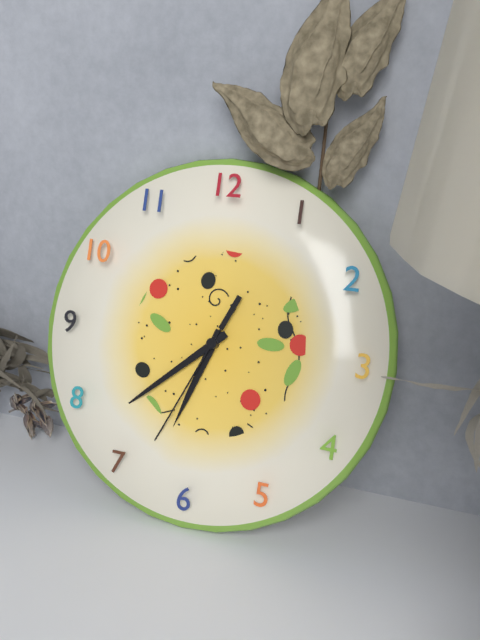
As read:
6.38.34
